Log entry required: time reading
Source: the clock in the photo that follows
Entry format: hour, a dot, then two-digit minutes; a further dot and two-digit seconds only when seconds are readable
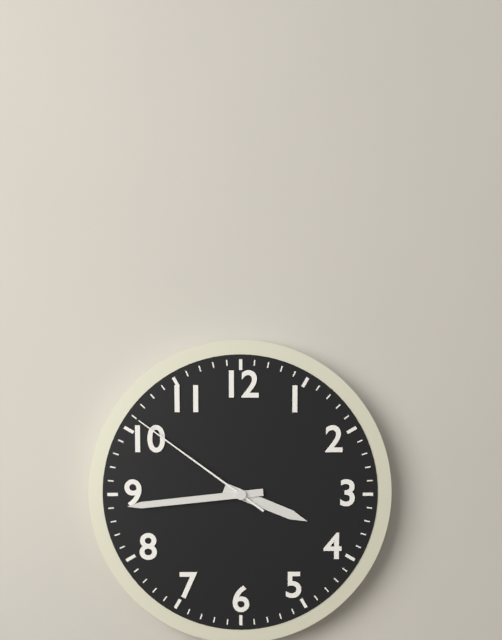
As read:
3.44.51
